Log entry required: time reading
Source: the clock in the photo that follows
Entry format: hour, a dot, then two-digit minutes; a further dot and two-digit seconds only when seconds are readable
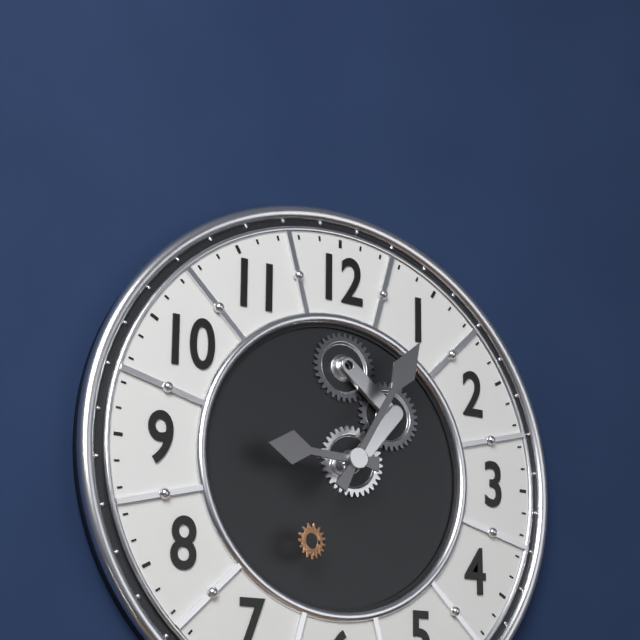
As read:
9.05
